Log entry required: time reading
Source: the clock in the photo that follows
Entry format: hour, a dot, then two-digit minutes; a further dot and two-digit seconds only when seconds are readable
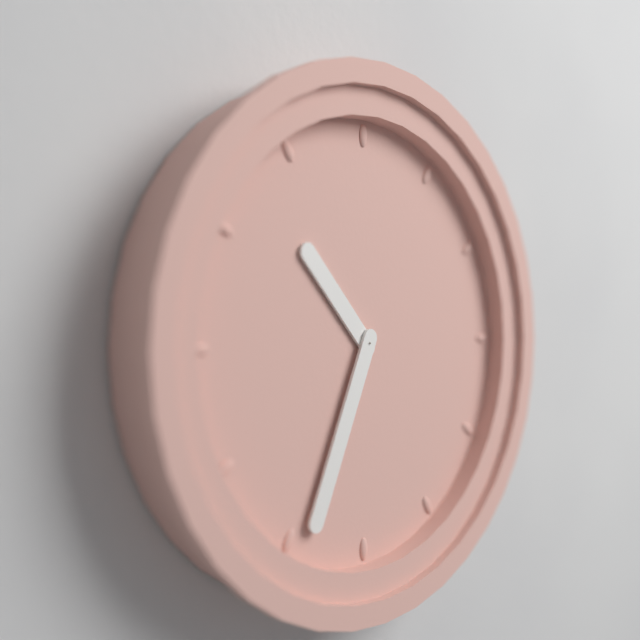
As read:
10.34
